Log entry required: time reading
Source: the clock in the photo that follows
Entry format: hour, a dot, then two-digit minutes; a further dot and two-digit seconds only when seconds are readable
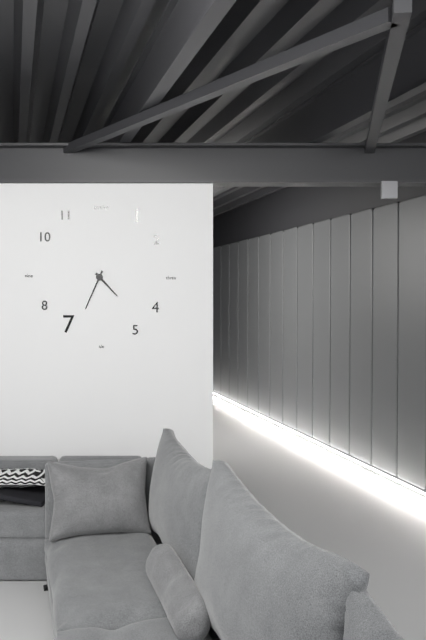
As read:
4.34
